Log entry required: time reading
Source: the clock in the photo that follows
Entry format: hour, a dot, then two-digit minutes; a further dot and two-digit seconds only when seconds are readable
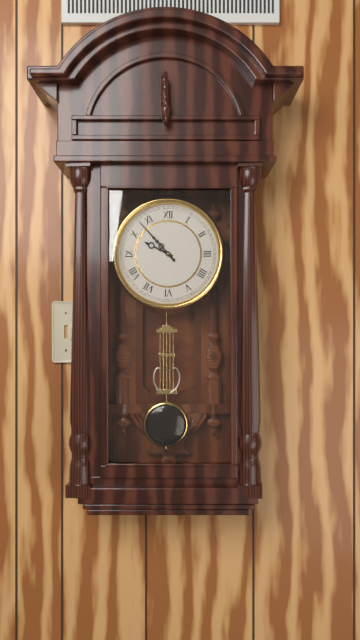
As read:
9.53
